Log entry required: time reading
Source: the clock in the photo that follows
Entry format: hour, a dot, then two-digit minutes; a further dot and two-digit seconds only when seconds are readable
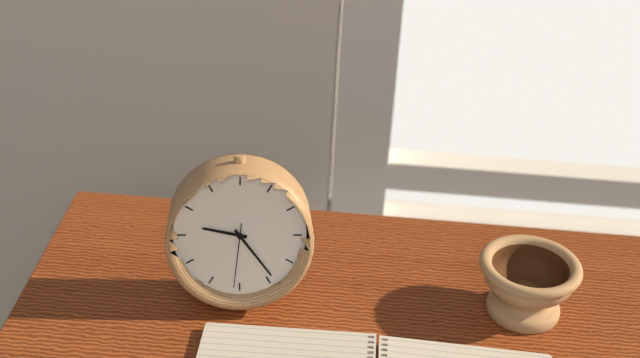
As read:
9.24.31
